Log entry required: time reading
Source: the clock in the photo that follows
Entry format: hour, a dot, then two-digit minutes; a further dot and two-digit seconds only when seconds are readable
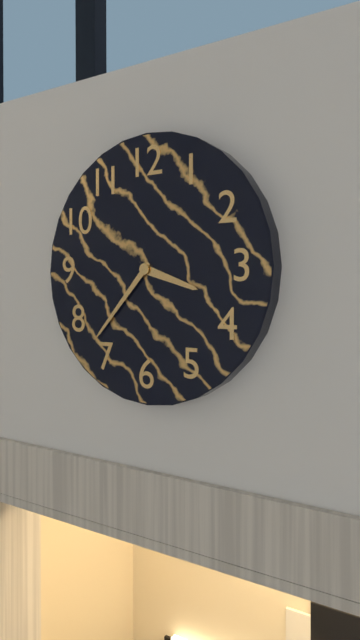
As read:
3.37
